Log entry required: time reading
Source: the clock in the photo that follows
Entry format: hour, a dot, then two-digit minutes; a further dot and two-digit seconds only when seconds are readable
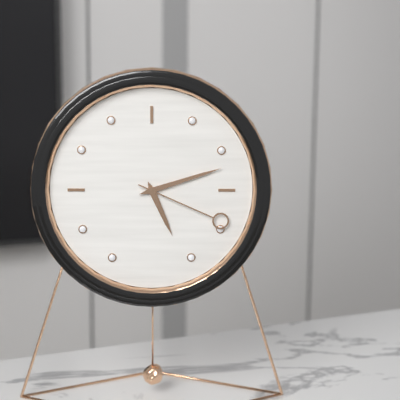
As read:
5.12.19
